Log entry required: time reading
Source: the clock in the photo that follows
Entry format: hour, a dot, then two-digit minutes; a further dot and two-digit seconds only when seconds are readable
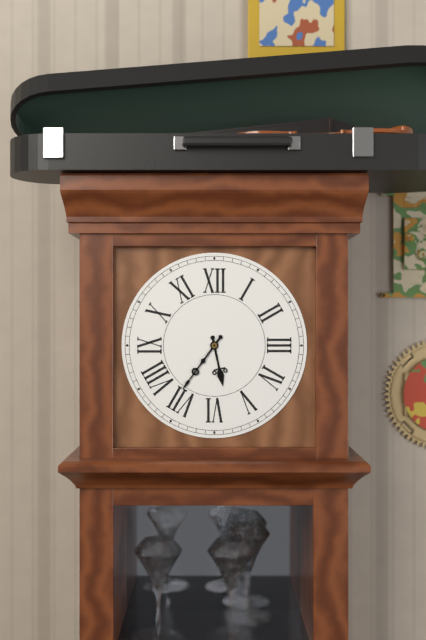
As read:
5.36
